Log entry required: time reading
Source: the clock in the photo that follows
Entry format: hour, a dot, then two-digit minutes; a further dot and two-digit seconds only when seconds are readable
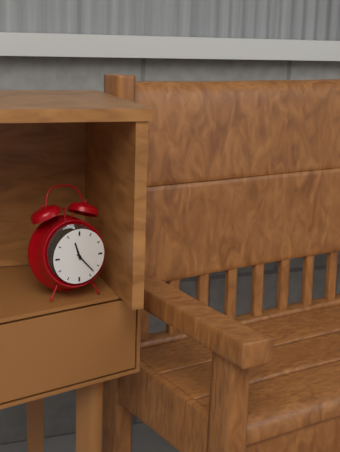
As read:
11.23
